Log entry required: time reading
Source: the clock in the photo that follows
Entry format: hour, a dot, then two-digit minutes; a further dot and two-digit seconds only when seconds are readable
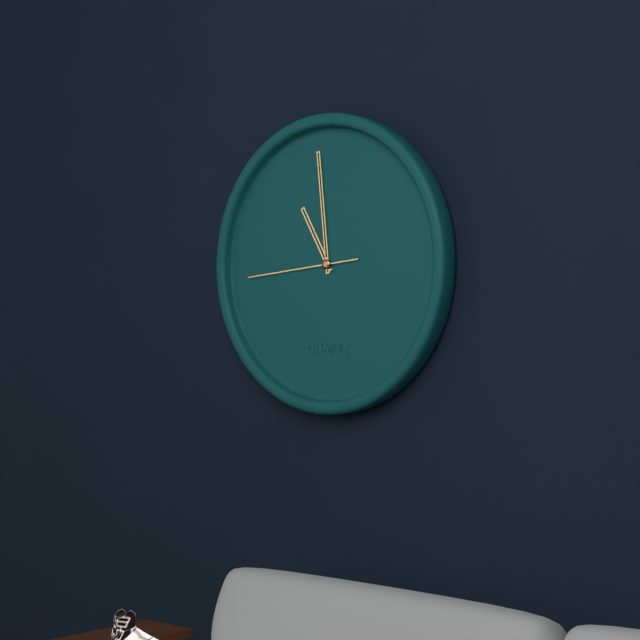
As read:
10.59.44
